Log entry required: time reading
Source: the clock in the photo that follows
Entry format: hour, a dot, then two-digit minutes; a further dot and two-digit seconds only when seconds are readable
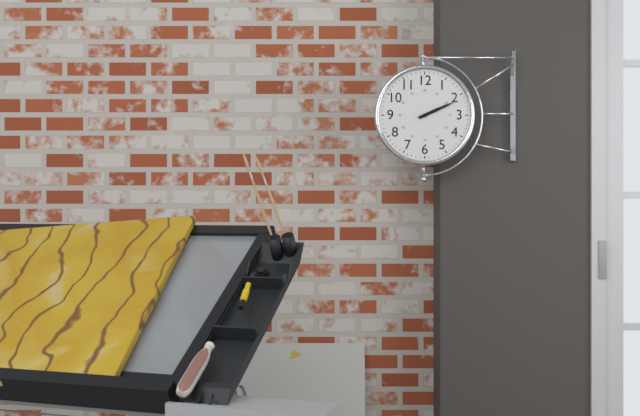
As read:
2.11
